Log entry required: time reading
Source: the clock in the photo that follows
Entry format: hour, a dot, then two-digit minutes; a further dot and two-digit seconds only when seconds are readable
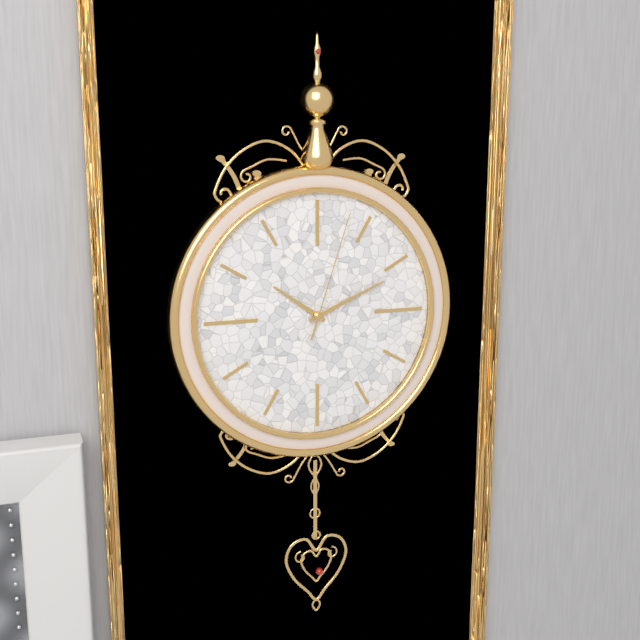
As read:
10.11.03
